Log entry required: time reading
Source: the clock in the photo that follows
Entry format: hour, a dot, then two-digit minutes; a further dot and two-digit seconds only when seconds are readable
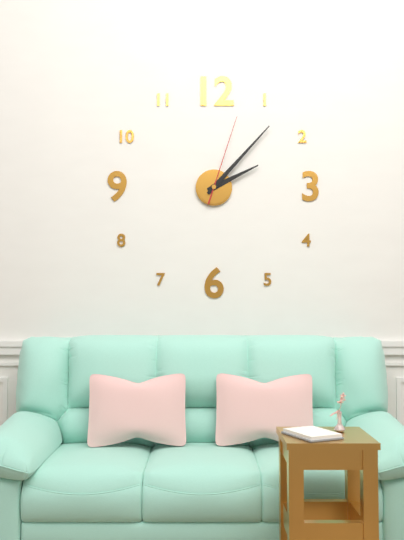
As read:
2.07.03
